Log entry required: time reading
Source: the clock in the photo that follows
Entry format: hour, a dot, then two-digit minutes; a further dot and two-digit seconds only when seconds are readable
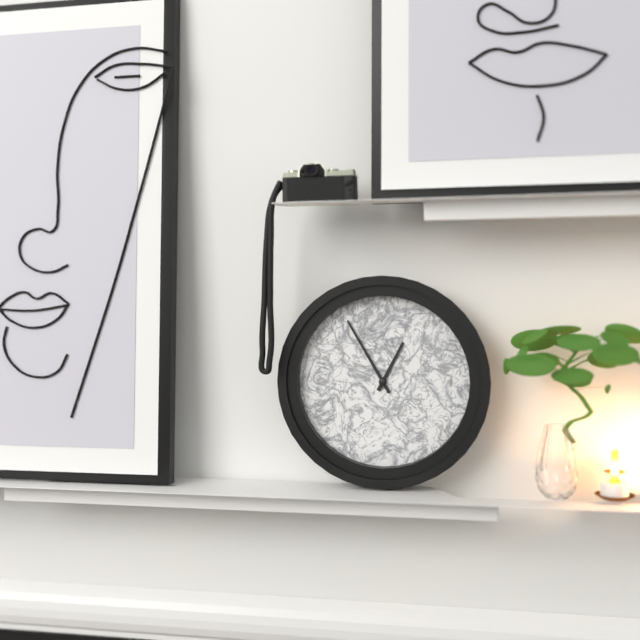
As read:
12.55
